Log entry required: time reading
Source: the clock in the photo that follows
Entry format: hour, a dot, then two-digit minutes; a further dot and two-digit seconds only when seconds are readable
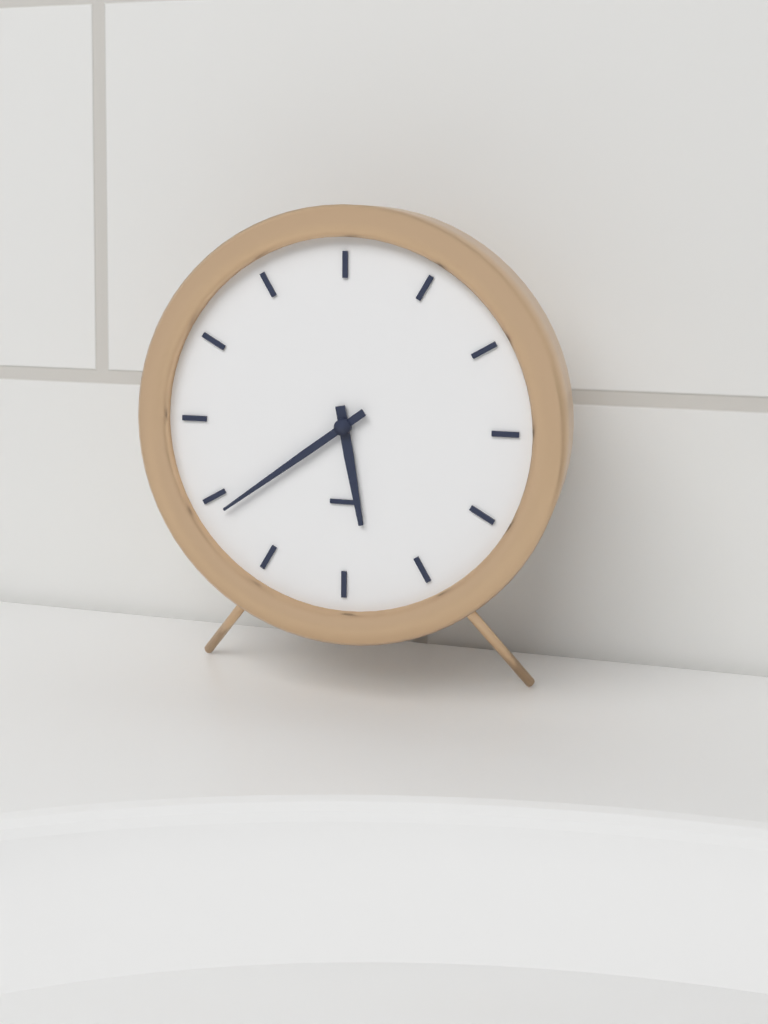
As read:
5.39
